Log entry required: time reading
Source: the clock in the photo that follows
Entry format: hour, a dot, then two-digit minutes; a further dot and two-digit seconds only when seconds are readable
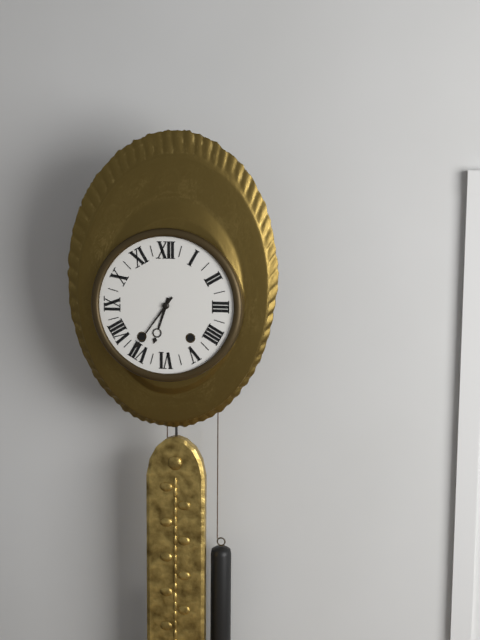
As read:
6.36
